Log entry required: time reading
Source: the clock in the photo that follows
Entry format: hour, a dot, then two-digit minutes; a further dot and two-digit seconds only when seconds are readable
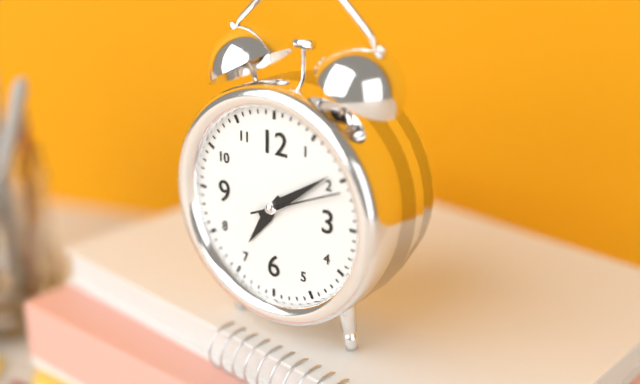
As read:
7.09.11
